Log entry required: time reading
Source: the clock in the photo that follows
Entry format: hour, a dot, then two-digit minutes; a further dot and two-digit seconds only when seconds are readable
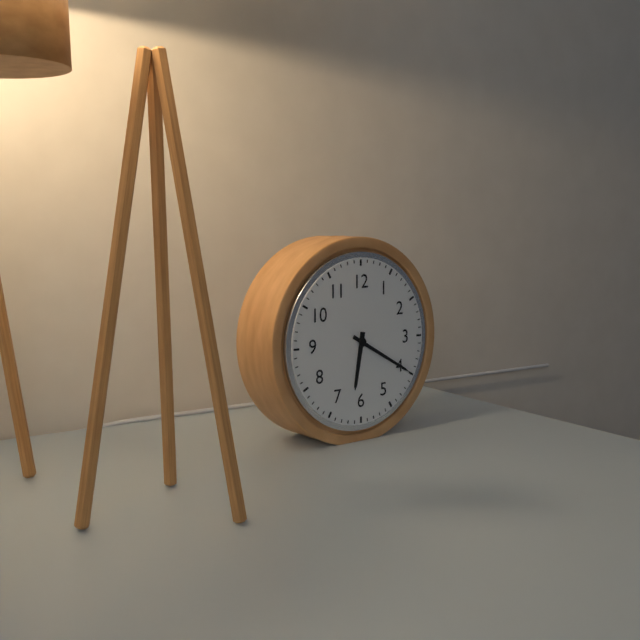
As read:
6.20
